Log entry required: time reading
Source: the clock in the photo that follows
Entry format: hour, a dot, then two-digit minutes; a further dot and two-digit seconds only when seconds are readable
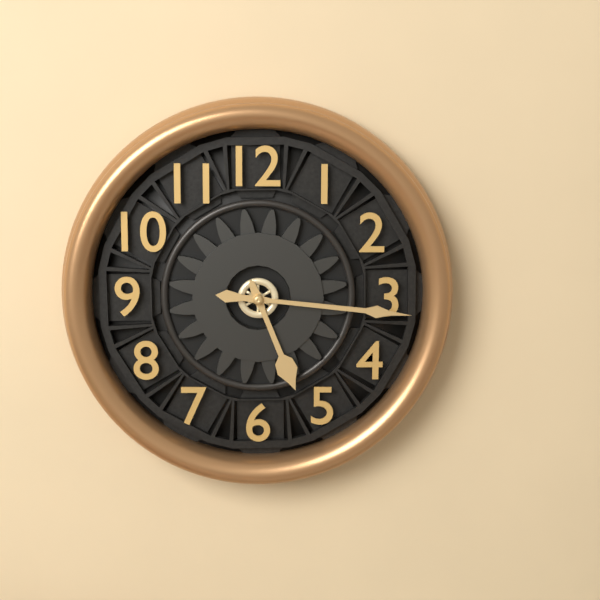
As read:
5.16
